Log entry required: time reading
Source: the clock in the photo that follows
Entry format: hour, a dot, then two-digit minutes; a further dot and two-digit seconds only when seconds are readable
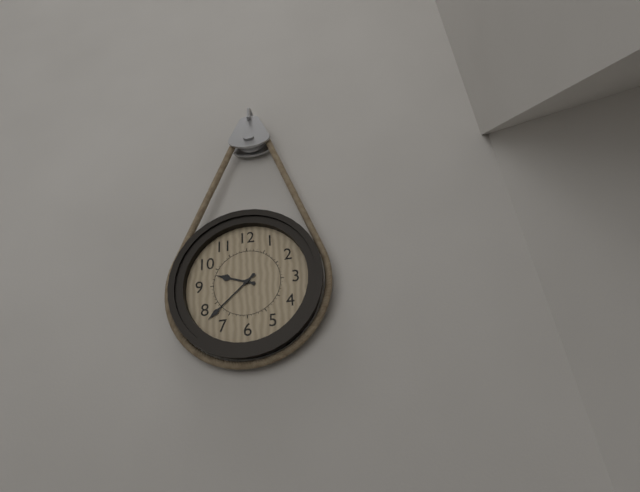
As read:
9.38
